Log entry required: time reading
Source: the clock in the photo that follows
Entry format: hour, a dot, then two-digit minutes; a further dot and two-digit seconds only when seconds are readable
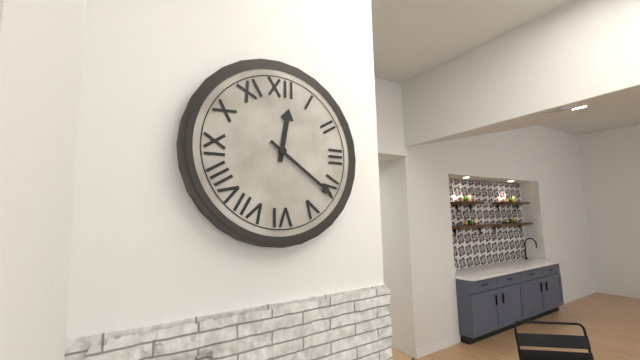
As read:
12.21
